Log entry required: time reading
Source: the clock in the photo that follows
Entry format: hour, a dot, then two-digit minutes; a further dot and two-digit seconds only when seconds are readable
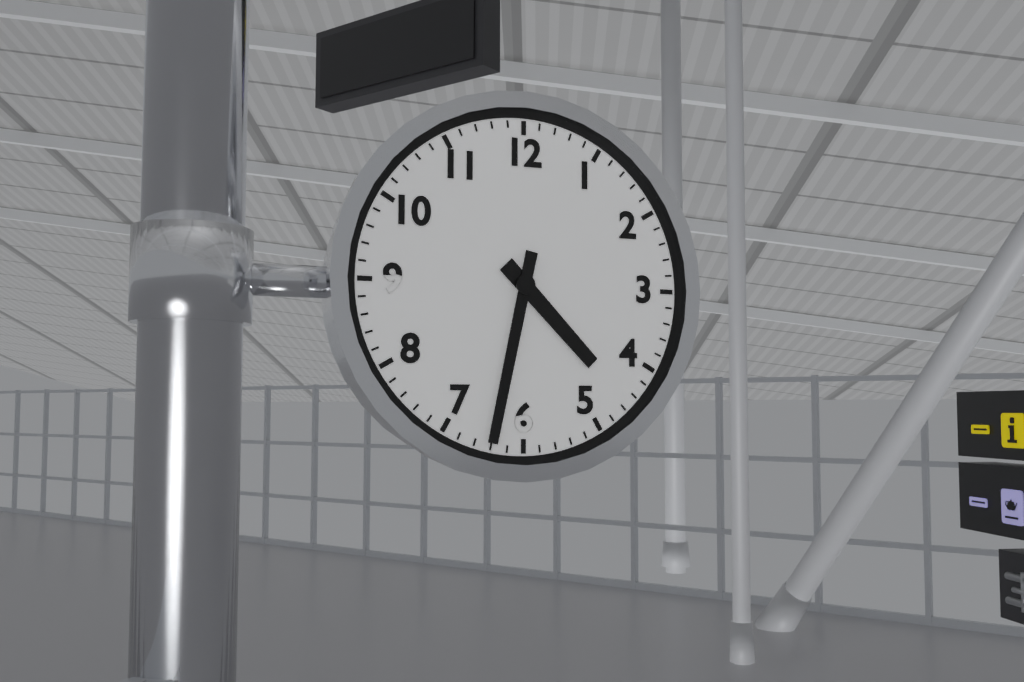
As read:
4.32
